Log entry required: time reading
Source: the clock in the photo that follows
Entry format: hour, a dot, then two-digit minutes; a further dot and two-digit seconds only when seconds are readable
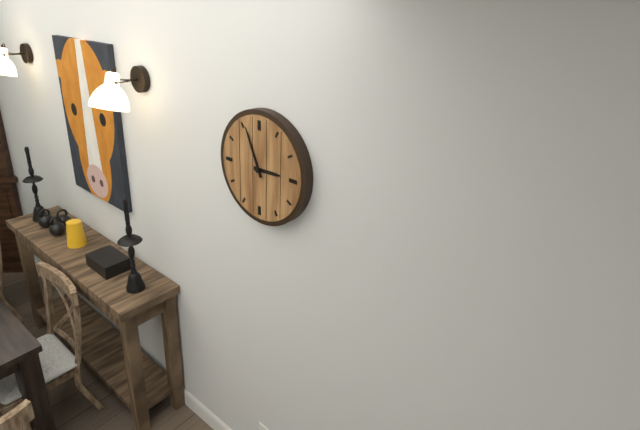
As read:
2.56
